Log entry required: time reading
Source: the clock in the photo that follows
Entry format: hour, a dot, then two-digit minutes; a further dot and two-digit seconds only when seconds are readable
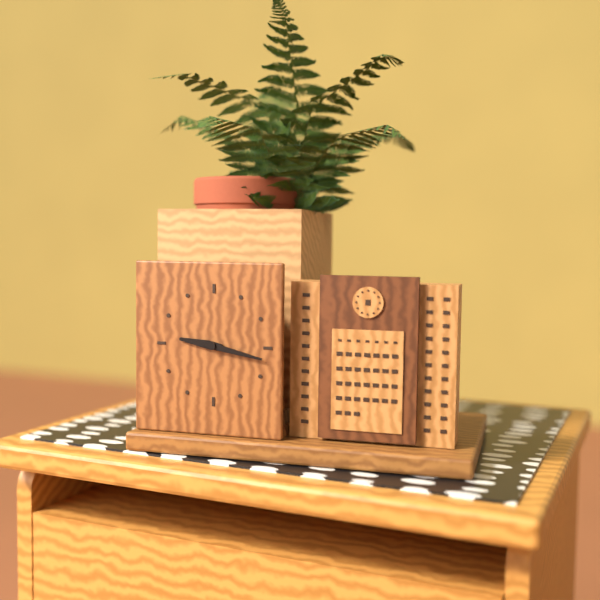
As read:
9.17
